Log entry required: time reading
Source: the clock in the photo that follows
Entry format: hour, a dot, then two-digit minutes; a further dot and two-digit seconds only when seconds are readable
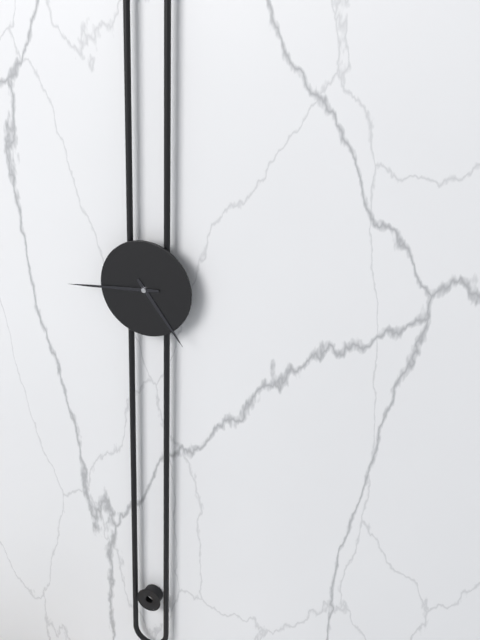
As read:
4.44
